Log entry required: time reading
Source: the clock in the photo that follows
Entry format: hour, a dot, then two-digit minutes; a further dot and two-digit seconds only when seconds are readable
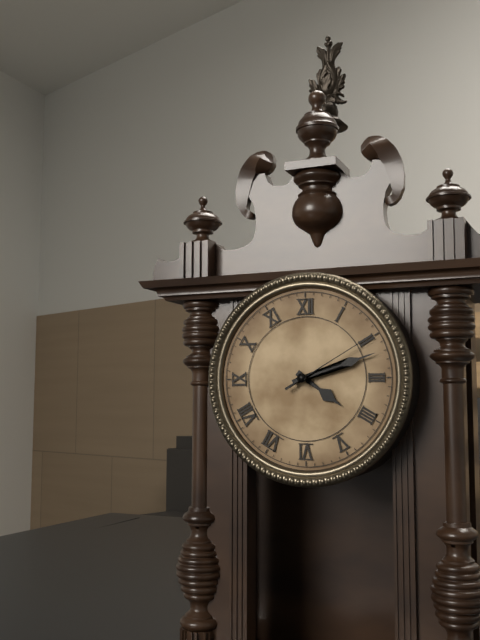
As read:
4.12.10
